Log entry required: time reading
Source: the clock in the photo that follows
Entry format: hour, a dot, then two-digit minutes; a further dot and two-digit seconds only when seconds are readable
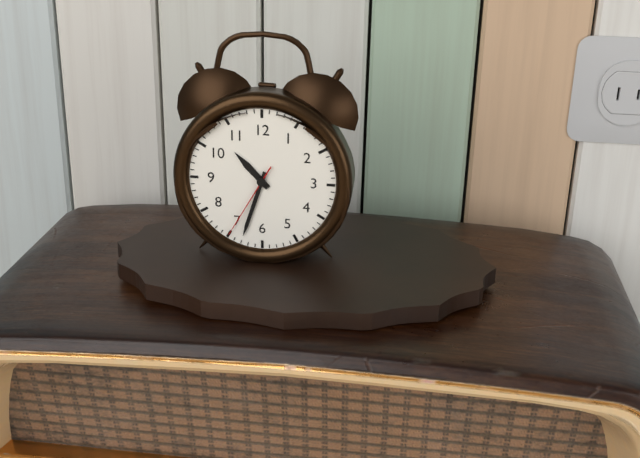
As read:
10.33.35
